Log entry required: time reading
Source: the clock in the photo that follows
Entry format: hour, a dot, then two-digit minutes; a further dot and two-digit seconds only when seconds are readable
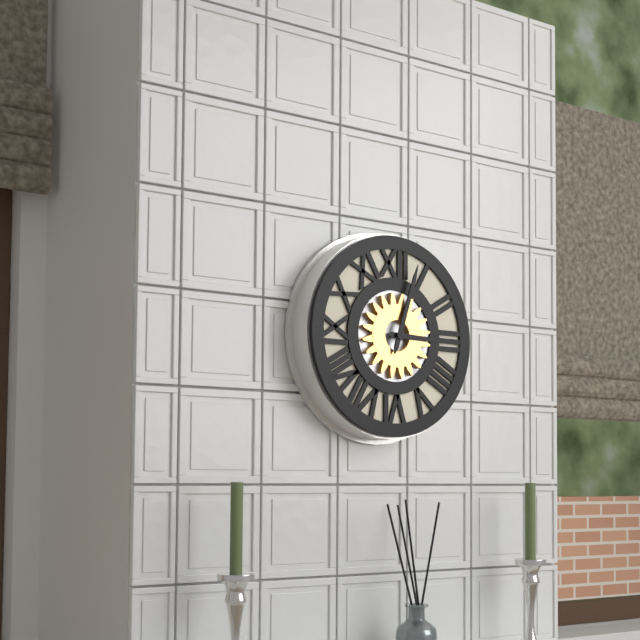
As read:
3.03
